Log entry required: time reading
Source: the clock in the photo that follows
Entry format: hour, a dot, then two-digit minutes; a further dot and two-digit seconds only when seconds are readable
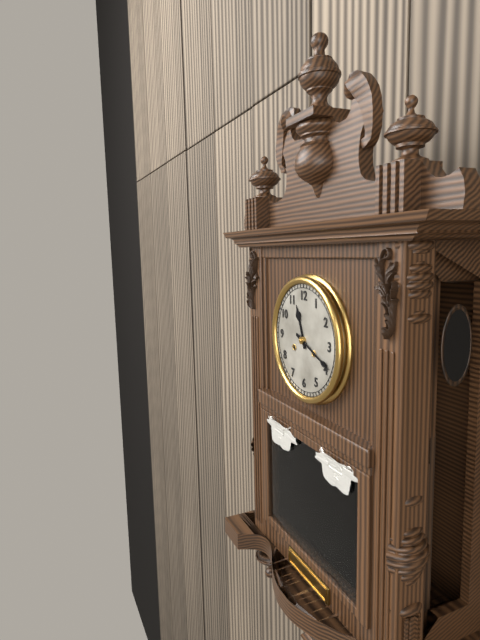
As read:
11.19
